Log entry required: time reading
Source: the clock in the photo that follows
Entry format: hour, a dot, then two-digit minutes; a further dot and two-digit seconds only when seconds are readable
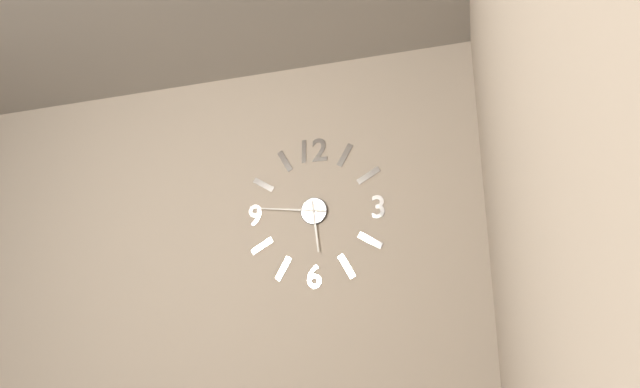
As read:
5.46
